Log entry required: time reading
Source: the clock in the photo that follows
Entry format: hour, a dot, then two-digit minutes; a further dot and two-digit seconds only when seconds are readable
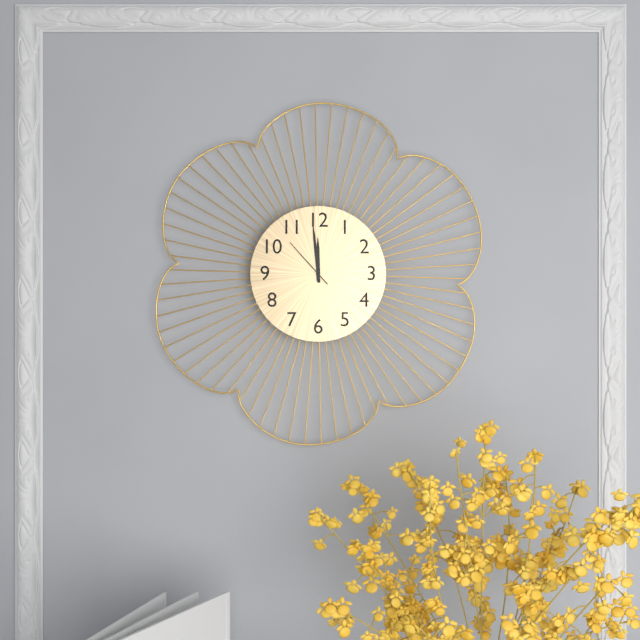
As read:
11.59.53
